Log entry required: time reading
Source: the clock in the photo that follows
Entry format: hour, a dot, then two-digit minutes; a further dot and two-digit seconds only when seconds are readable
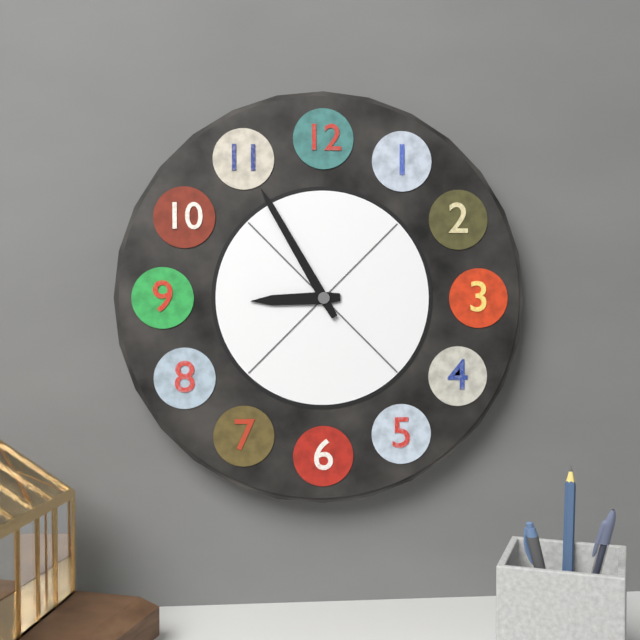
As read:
8.55
